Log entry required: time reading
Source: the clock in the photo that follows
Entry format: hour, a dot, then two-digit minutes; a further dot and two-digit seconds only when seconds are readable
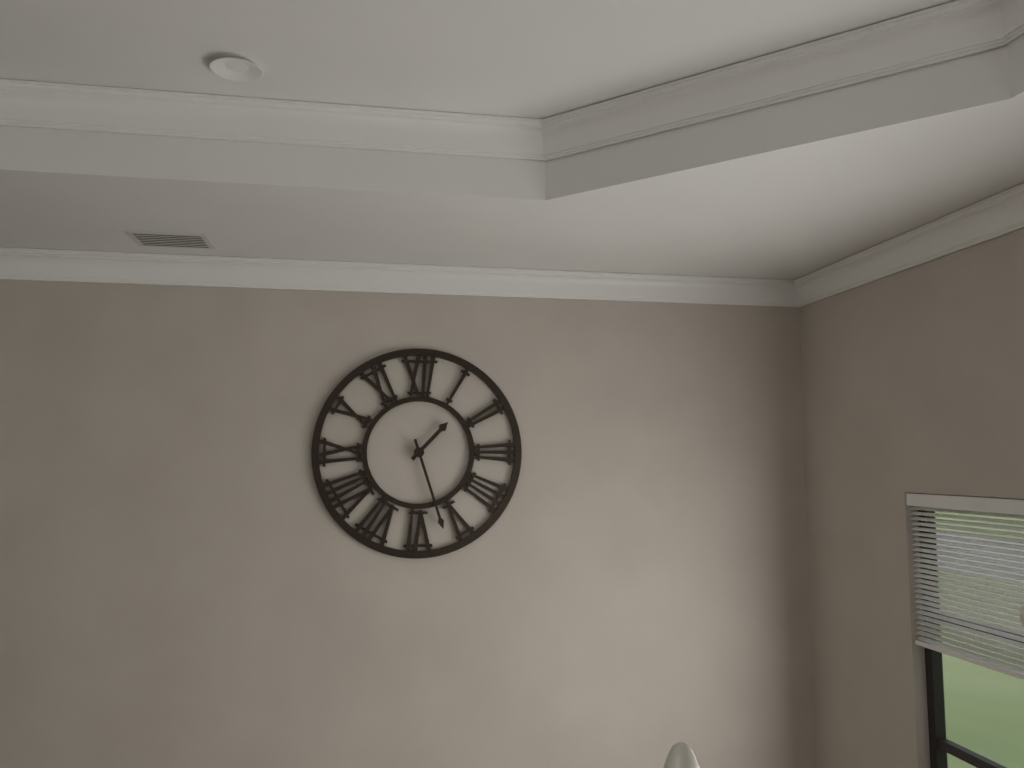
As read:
1.27
